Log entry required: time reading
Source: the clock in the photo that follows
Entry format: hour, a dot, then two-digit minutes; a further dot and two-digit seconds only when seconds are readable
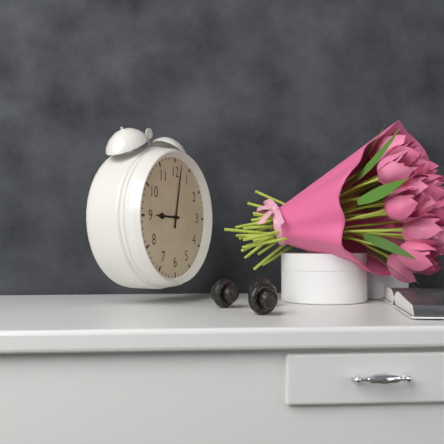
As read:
9.02
